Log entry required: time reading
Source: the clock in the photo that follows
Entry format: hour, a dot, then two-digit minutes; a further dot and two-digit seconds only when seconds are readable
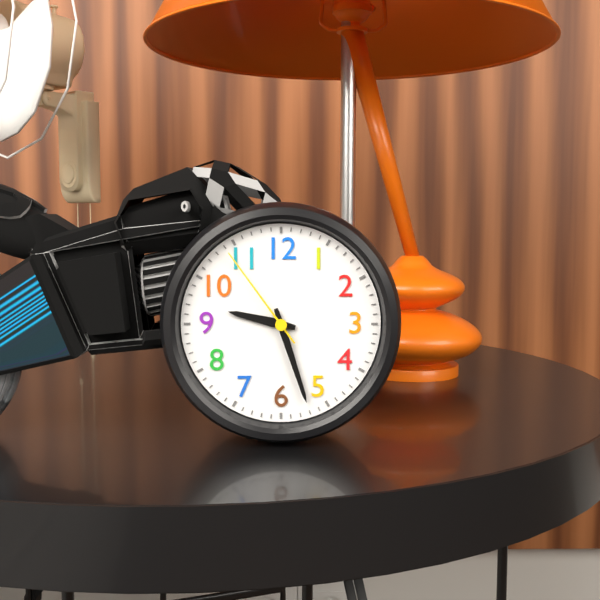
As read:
9.27.54
